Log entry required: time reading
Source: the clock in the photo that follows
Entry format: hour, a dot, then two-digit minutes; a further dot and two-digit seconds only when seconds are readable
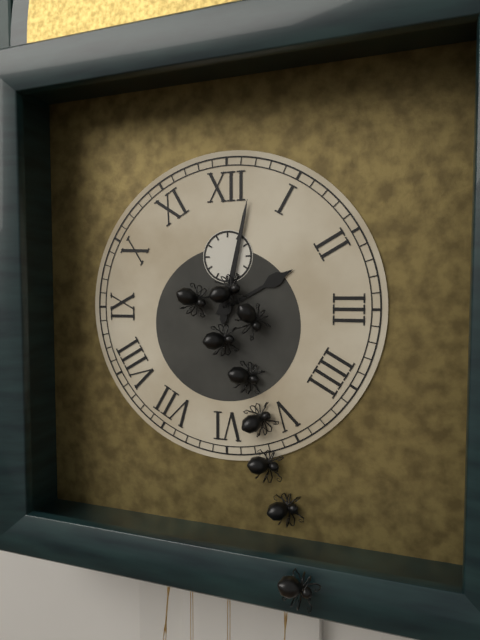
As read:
2.02
